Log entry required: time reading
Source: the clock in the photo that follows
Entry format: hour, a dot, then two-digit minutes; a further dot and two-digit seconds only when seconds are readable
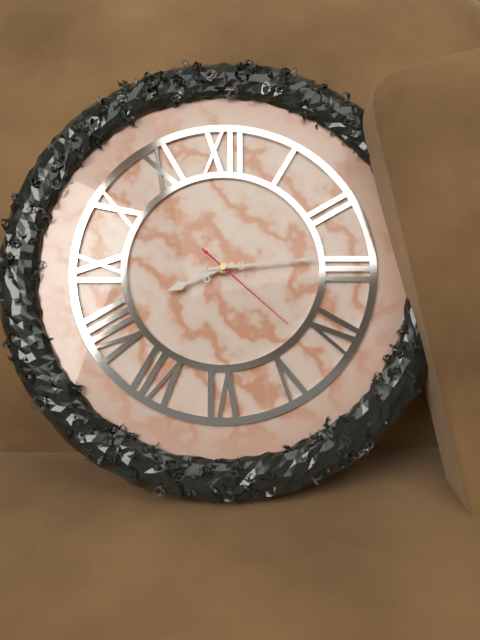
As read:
8.14.22
